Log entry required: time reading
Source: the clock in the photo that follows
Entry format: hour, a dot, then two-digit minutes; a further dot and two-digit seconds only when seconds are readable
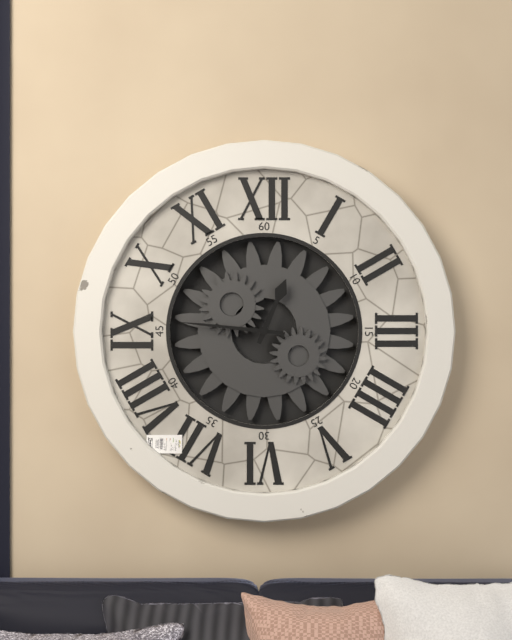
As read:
12.46
